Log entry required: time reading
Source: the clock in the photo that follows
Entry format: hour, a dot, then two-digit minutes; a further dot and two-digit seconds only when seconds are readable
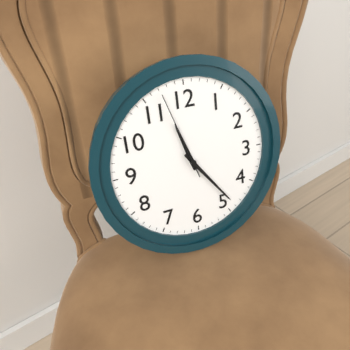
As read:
11.24.57
